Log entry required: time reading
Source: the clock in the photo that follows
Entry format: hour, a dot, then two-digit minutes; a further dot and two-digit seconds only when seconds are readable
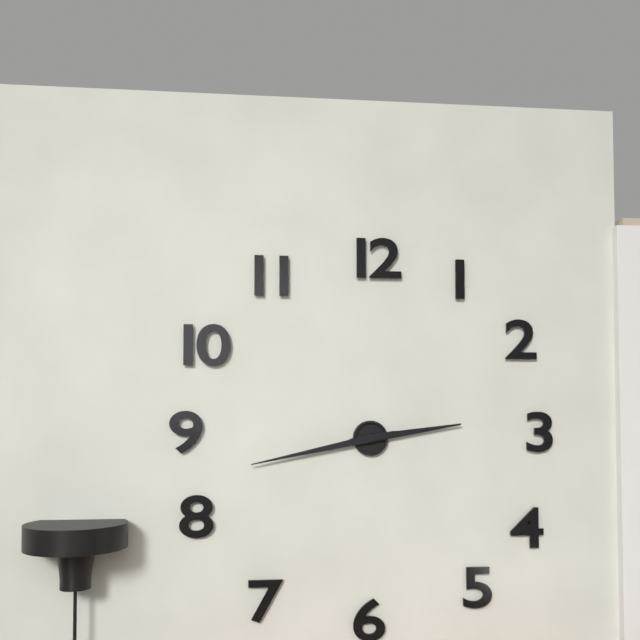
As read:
2.43
